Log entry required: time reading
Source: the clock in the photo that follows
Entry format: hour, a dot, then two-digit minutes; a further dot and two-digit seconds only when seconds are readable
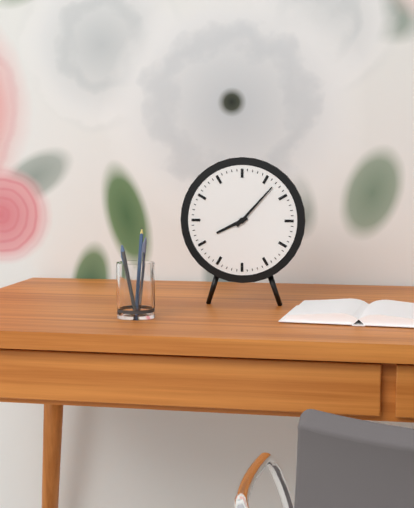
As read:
8.07
